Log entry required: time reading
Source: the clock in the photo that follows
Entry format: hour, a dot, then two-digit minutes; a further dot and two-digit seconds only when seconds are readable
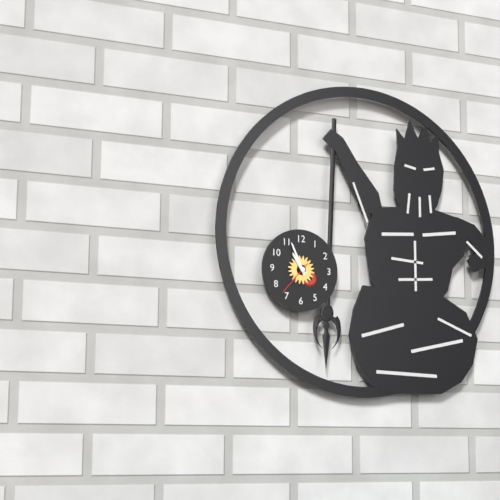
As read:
10.56
